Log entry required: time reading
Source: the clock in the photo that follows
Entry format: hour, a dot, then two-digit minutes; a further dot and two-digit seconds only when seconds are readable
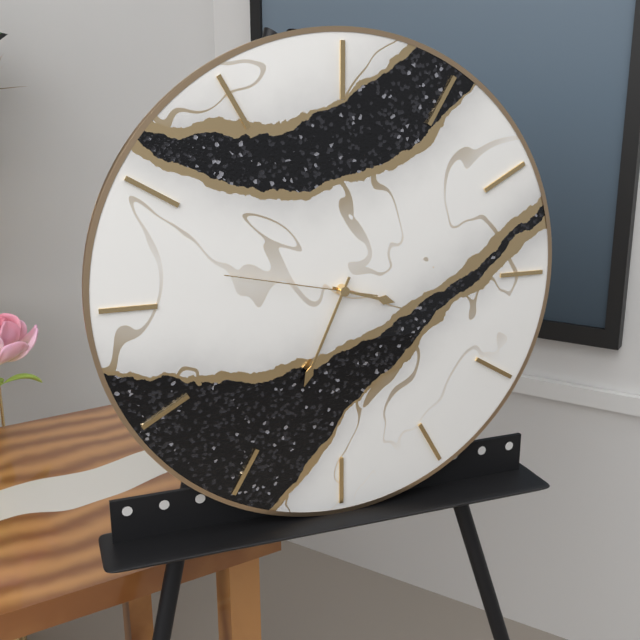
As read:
3.34.47
